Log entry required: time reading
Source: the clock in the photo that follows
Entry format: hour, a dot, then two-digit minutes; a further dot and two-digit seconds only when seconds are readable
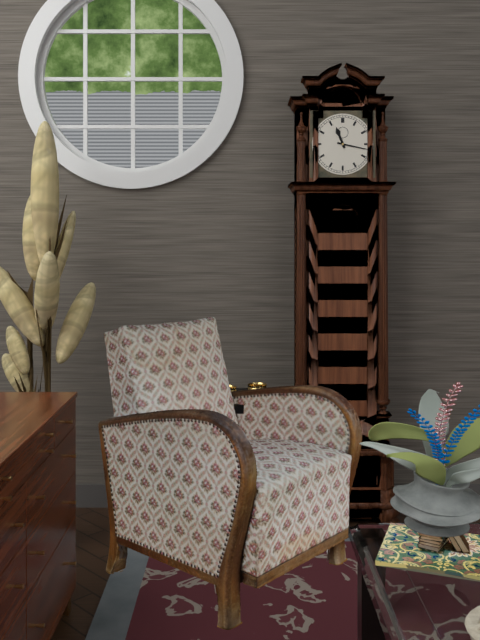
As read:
11.17
